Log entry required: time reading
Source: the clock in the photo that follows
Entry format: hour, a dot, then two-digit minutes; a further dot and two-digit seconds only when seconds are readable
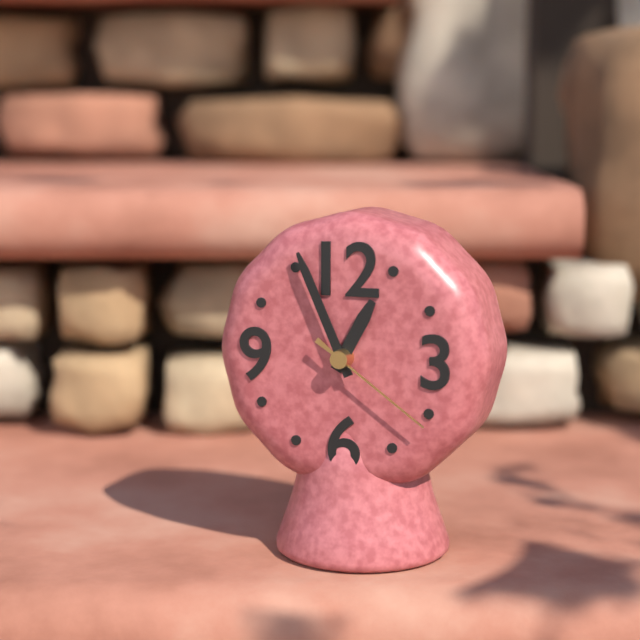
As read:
12.56.21
